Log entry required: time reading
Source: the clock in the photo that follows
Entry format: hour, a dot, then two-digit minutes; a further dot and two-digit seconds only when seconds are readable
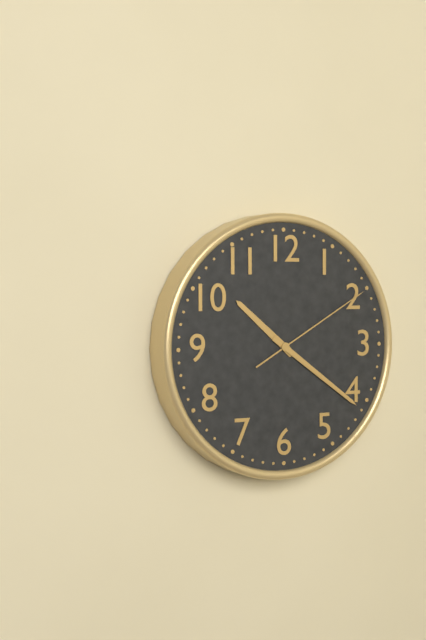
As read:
10.21.10
